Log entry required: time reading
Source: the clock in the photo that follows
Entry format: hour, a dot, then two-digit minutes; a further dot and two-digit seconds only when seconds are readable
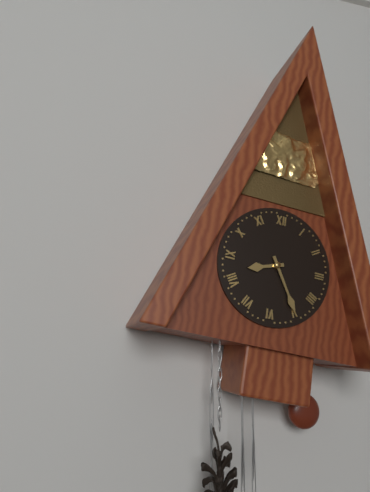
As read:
8.25
